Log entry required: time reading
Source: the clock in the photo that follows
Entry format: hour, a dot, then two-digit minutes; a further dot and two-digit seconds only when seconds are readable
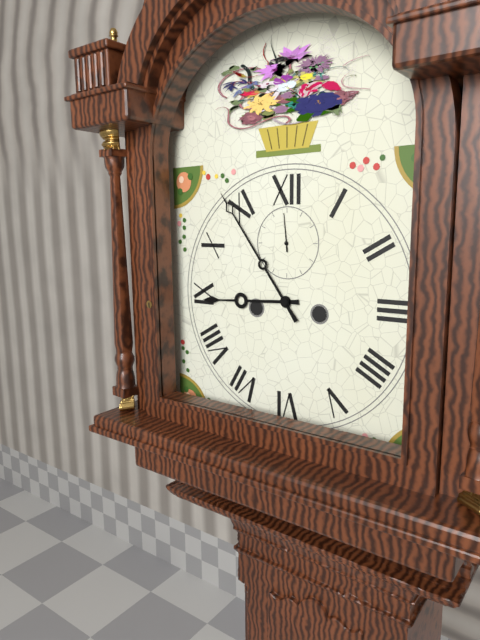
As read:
8.54
